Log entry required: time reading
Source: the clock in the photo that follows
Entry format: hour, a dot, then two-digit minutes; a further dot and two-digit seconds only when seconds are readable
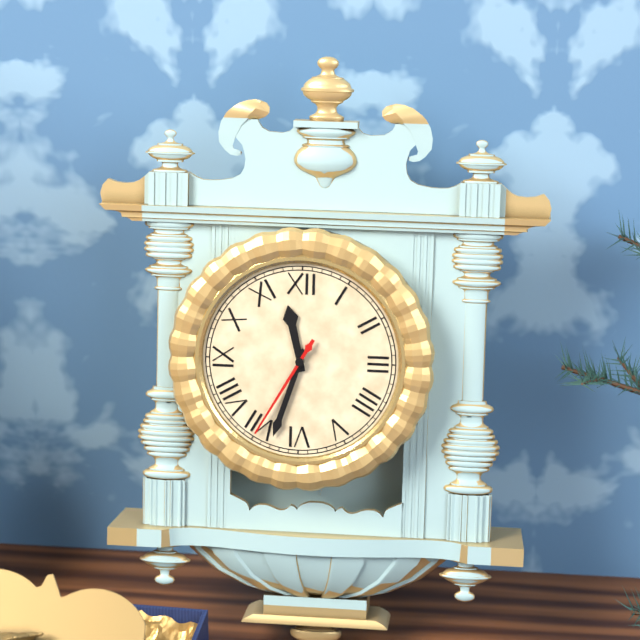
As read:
11.33.35
